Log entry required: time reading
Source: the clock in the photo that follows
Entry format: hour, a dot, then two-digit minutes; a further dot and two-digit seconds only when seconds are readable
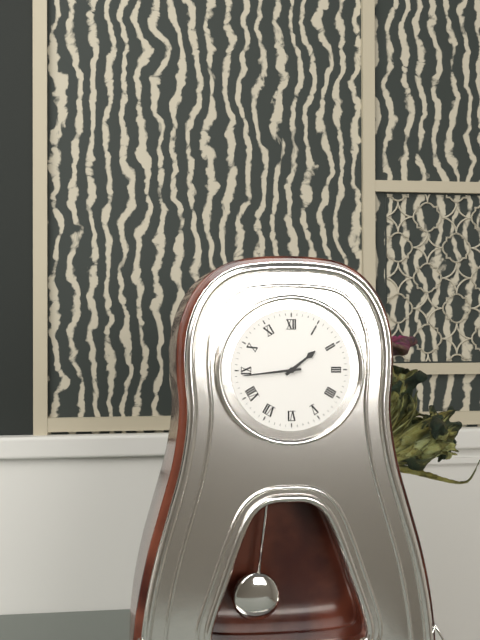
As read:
1.44
